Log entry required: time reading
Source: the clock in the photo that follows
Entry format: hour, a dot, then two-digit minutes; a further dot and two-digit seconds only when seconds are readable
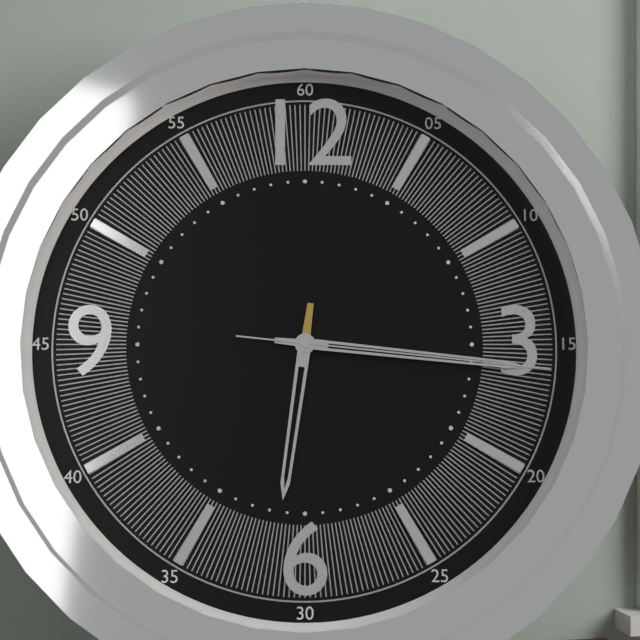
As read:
6.16.16
